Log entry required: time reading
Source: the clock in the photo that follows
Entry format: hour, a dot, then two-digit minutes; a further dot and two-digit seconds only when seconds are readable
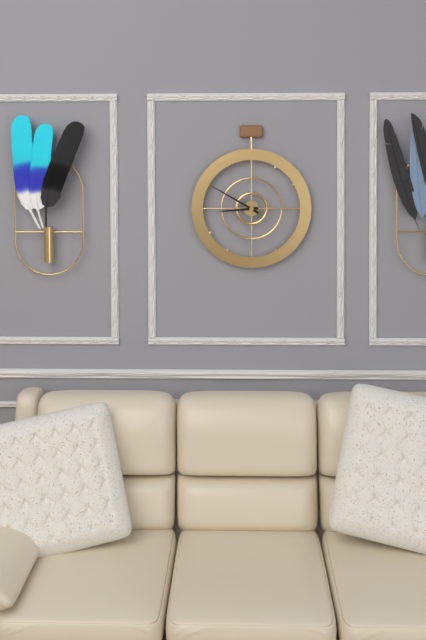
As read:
8.50
